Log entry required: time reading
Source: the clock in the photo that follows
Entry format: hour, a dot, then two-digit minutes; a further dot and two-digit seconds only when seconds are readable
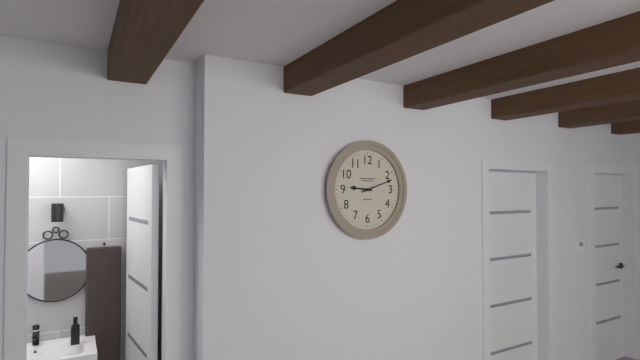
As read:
9.12
